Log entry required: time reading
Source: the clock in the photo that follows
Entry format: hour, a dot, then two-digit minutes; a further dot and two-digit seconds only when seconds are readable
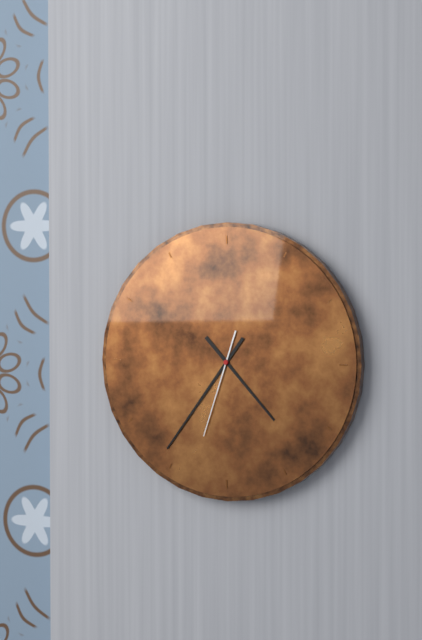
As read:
4.36.33
